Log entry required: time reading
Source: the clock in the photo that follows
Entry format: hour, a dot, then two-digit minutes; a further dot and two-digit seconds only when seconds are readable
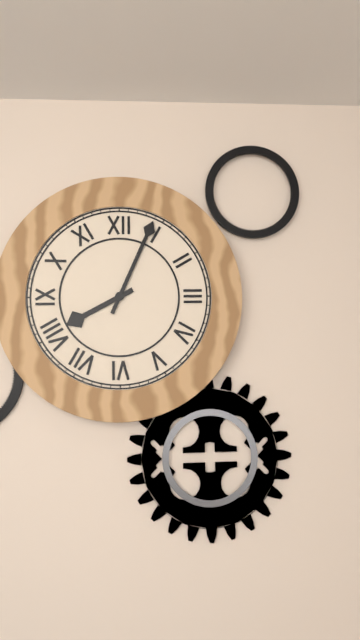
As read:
8.04
